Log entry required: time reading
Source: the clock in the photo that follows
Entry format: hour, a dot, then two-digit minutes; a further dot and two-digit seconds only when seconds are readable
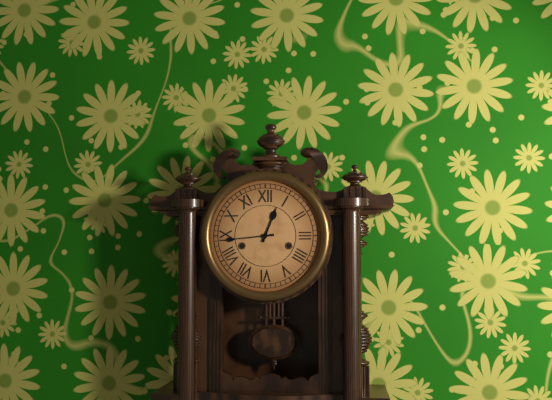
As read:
12.44
